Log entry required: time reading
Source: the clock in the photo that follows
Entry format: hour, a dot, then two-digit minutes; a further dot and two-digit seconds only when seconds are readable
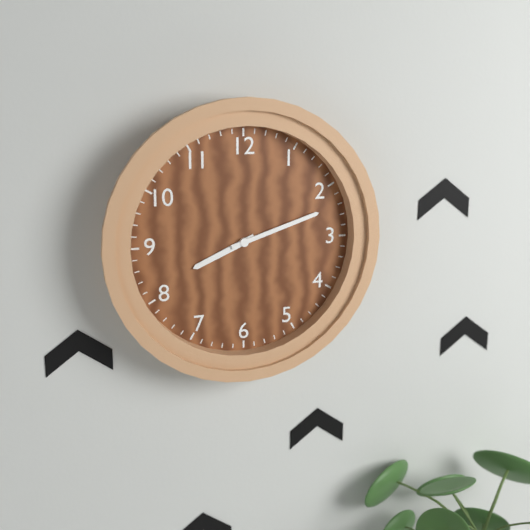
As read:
8.12
